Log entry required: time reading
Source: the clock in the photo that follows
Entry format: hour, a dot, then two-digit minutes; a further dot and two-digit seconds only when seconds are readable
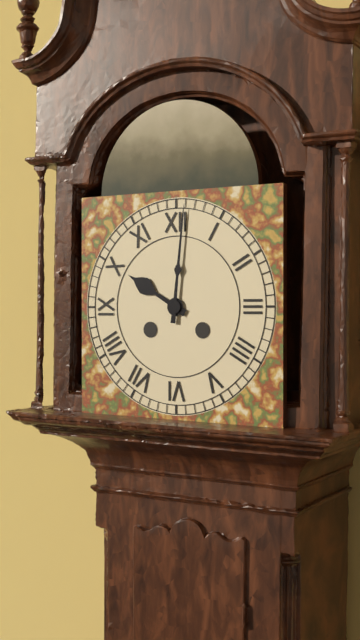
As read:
10.01
